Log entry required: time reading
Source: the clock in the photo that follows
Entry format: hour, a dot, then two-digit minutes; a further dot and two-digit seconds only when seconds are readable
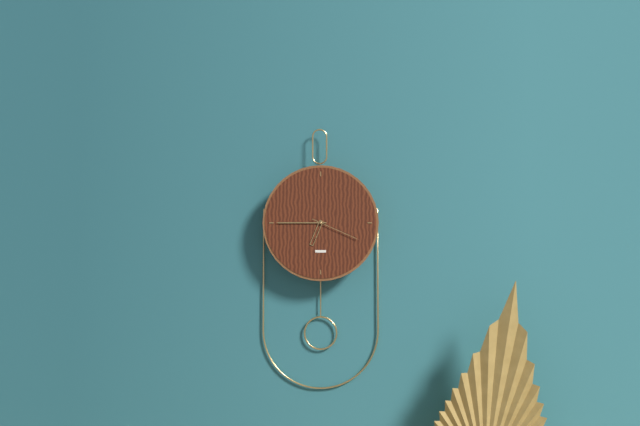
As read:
6.45.19
